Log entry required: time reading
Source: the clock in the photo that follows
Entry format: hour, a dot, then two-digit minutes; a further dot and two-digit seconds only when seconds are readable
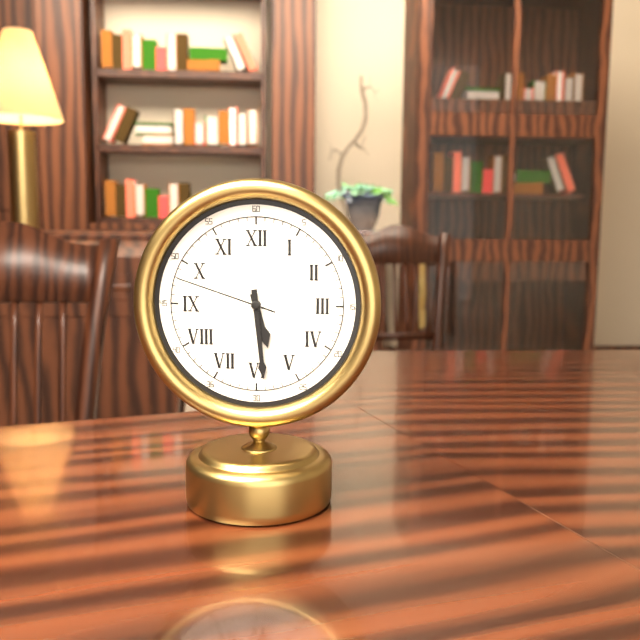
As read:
5.29.48
